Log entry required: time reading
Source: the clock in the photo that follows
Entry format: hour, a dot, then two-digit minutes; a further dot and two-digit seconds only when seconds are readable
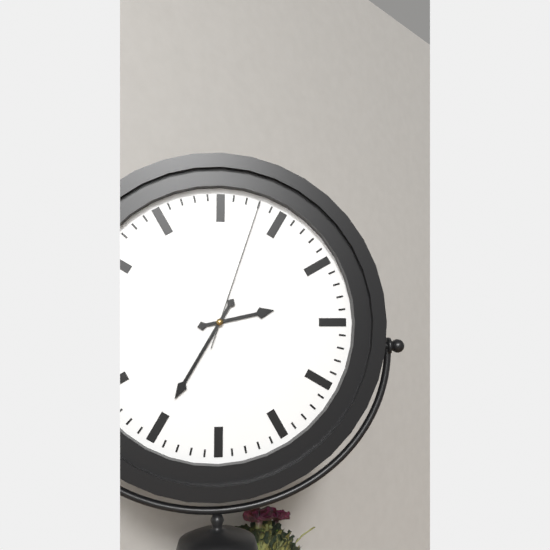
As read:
2.35.03
